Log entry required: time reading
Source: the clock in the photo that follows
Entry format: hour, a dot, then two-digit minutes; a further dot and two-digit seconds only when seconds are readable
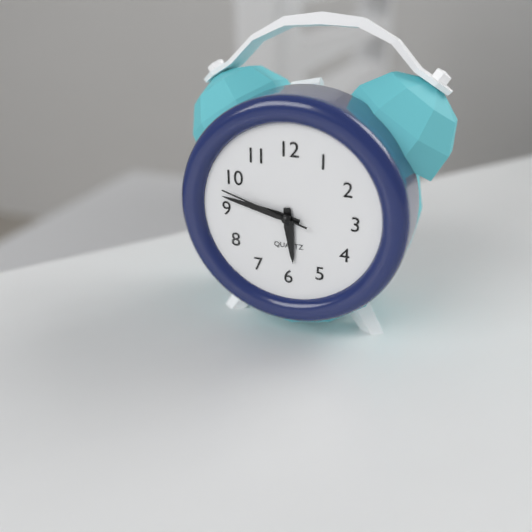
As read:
5.47.48
